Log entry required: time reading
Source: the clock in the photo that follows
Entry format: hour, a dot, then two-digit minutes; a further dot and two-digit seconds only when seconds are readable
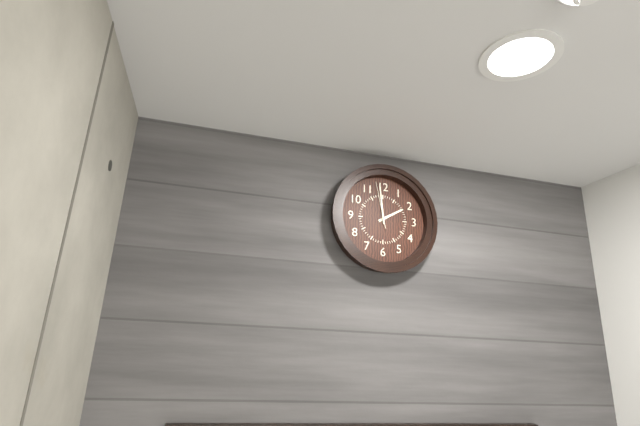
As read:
1.59
